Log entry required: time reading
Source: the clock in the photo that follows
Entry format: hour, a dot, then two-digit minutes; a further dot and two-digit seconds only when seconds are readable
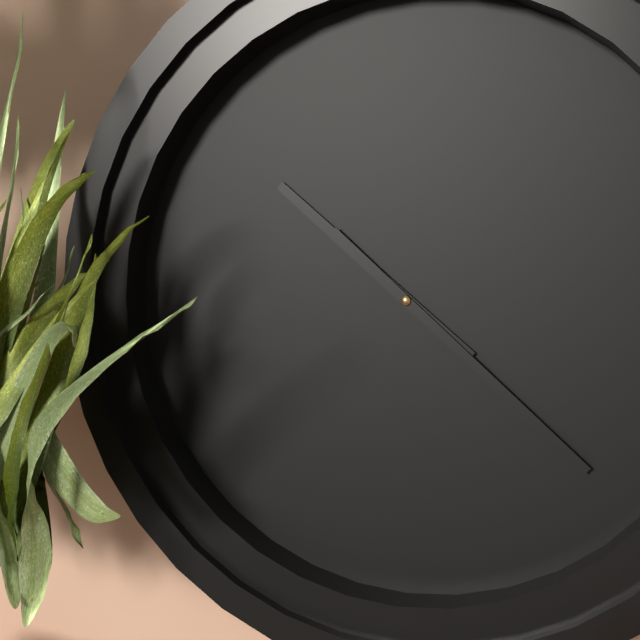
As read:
10.22
